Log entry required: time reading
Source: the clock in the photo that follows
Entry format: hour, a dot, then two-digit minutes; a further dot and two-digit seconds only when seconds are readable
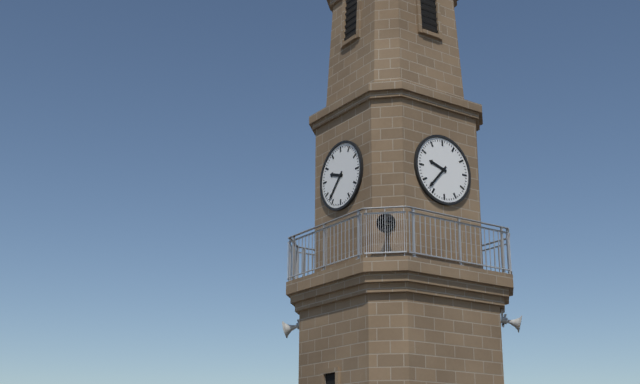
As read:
9.37
